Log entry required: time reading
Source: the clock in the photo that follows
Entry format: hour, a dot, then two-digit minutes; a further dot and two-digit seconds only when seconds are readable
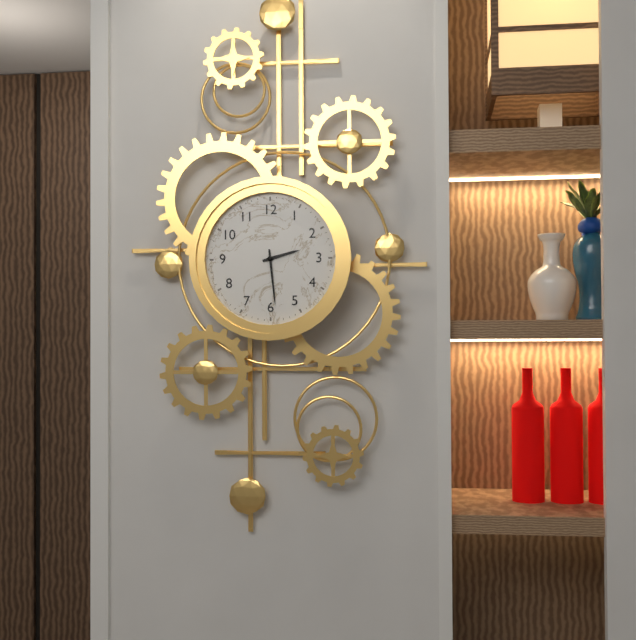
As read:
2.29
